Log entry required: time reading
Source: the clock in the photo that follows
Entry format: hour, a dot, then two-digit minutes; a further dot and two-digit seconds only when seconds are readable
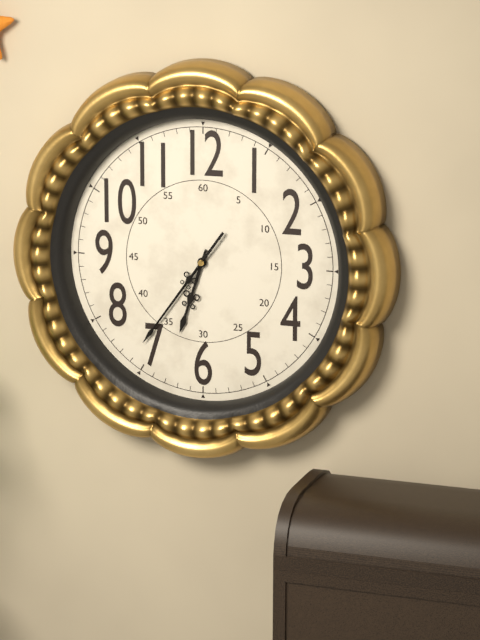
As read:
6.36.36
